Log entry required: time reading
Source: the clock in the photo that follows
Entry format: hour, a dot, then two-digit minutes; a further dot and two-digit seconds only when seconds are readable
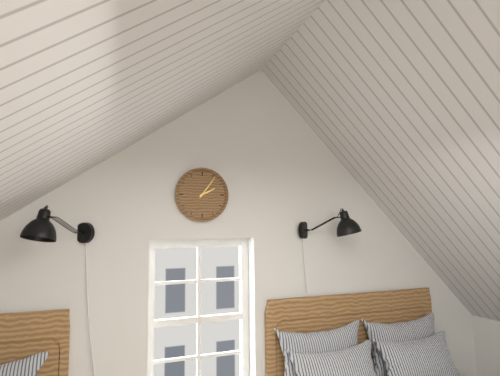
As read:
2.06
